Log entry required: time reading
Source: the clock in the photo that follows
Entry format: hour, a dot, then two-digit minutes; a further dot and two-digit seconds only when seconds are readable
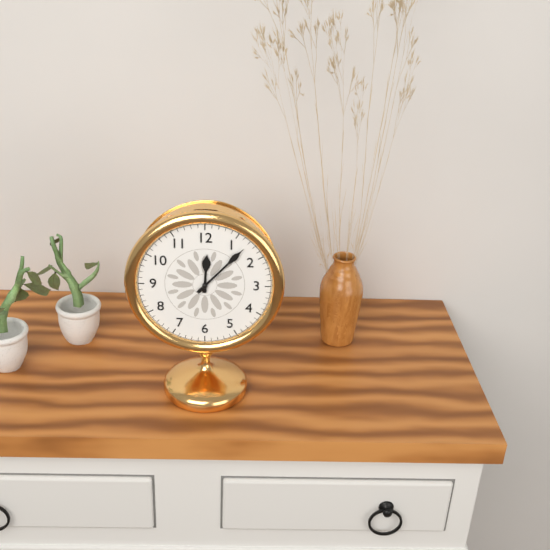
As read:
12.07
